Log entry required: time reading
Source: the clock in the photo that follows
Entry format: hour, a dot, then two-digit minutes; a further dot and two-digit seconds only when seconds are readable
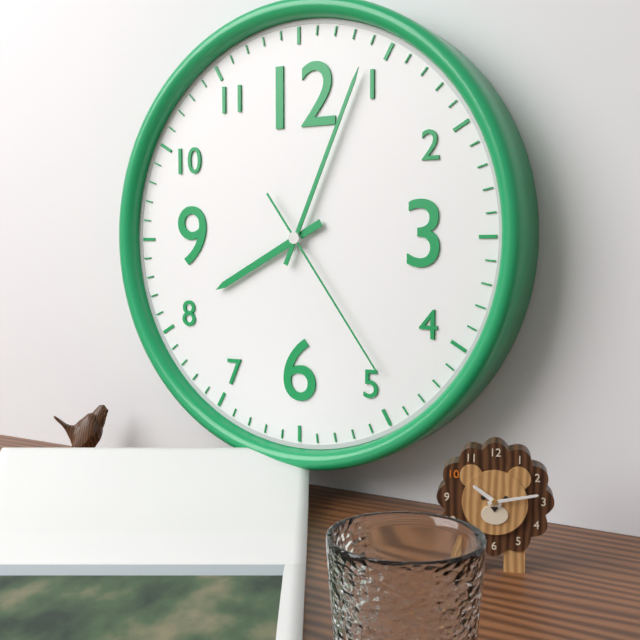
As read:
8.04.24
